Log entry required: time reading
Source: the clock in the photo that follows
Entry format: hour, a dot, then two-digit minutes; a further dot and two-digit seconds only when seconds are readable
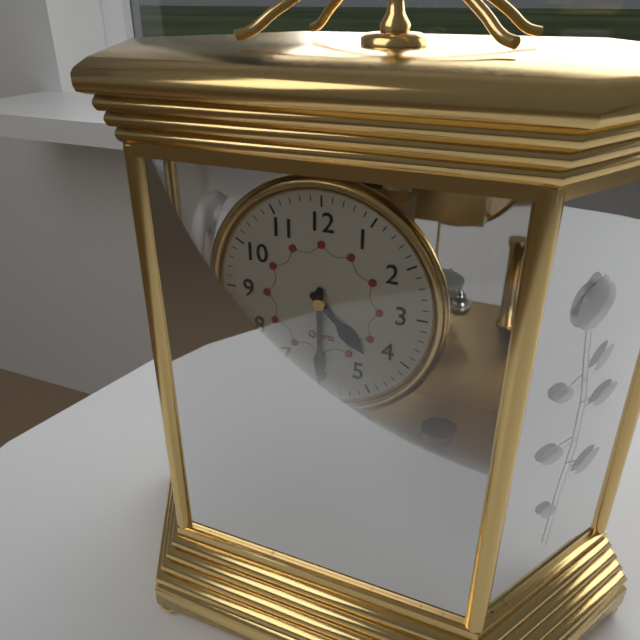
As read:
4.30
